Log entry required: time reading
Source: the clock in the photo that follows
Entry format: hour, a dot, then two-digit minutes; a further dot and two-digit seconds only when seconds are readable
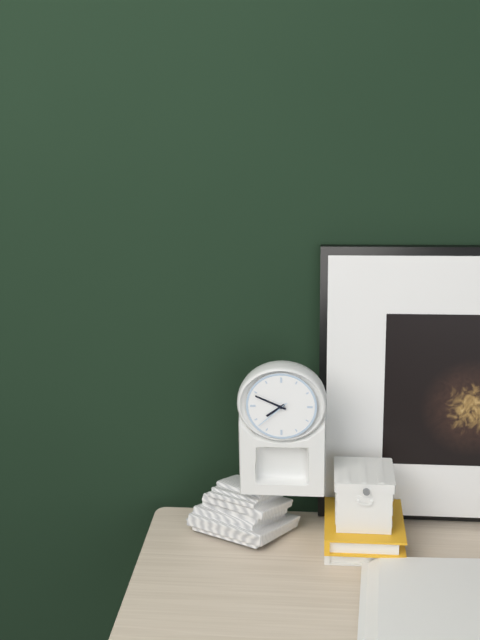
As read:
7.49
